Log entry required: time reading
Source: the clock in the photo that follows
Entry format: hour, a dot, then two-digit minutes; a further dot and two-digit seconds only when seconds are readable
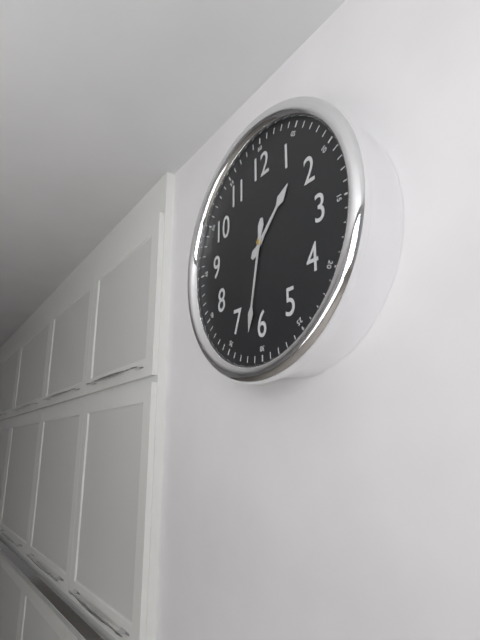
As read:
1.32
